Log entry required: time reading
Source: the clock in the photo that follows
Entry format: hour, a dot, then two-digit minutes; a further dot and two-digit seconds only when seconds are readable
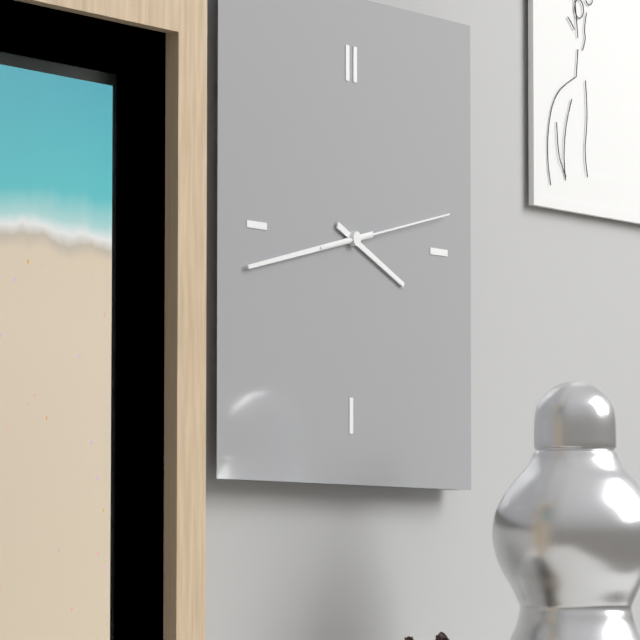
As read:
3.43.13
